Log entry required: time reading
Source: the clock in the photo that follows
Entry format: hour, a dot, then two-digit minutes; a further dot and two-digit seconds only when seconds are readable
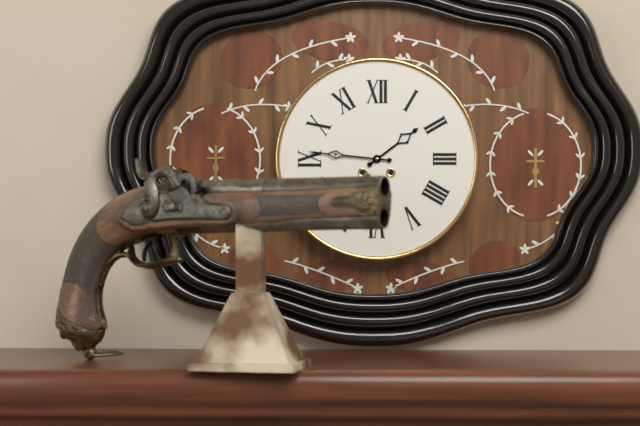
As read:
1.46
